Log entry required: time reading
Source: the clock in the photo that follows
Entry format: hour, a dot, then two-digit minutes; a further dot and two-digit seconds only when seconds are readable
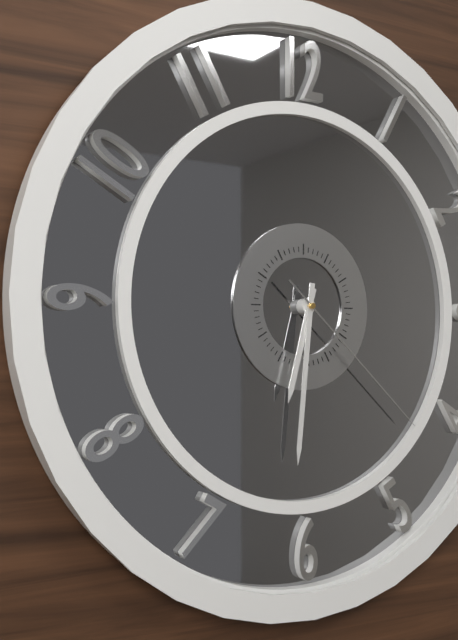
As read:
6.31.22
